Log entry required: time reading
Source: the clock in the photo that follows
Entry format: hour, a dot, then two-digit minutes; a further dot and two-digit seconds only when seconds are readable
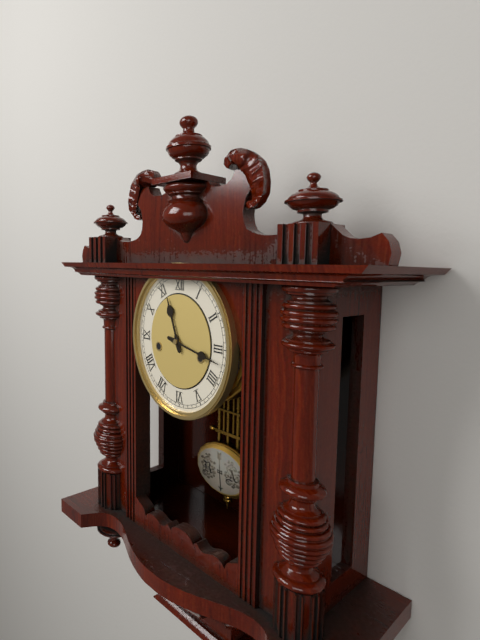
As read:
11.17
